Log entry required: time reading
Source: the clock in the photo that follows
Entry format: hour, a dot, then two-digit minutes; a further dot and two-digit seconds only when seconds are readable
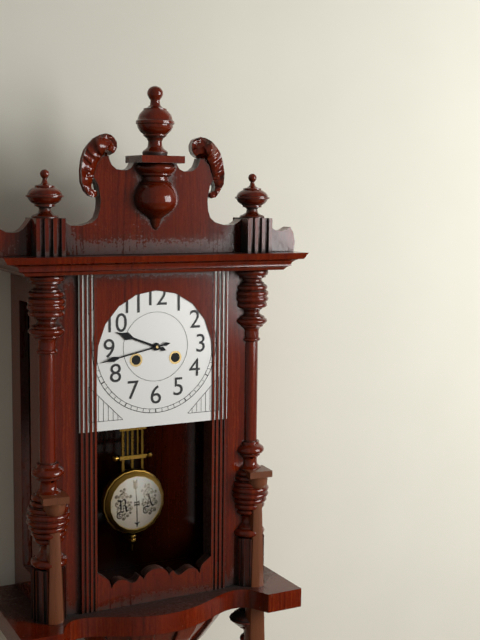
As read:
9.43
